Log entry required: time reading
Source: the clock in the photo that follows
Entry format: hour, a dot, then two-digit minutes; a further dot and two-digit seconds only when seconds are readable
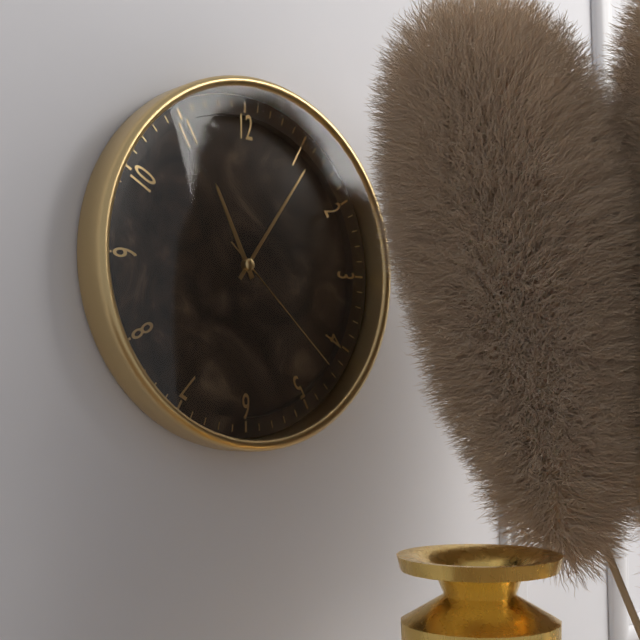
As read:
11.06.22
